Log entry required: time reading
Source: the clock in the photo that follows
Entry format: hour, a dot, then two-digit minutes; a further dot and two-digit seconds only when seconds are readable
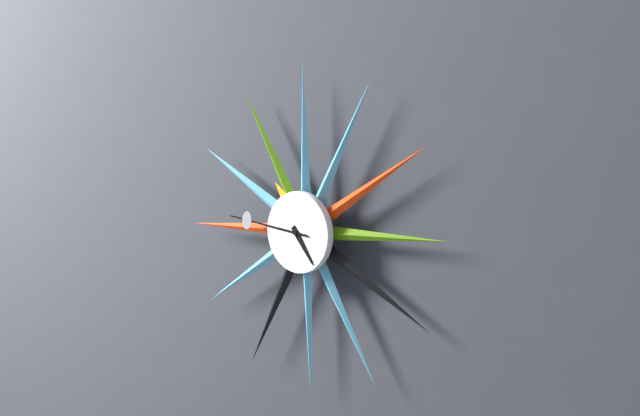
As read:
4.46
